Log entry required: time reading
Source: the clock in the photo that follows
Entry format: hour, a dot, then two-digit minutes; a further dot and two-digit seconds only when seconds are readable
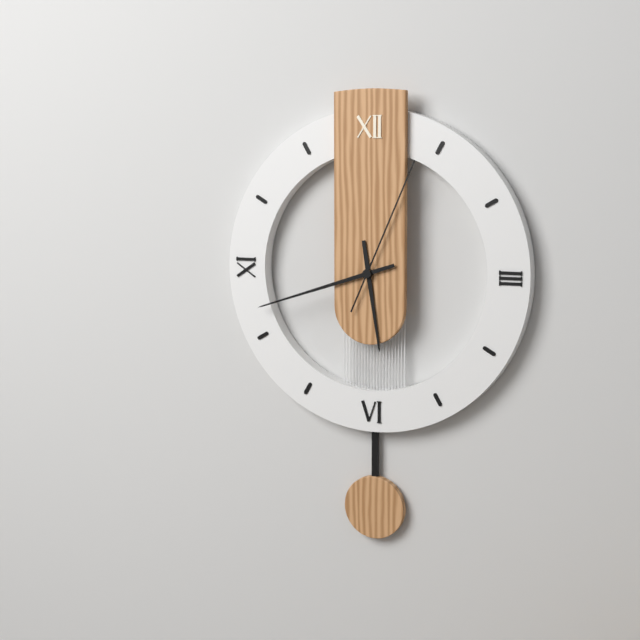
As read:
5.42.04
